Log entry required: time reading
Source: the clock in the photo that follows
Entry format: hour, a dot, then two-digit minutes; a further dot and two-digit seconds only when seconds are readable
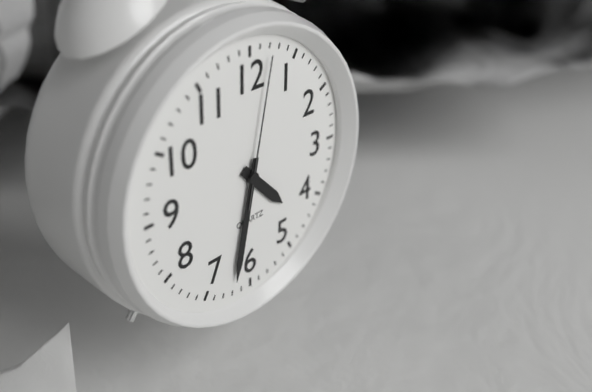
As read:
4.32.02
